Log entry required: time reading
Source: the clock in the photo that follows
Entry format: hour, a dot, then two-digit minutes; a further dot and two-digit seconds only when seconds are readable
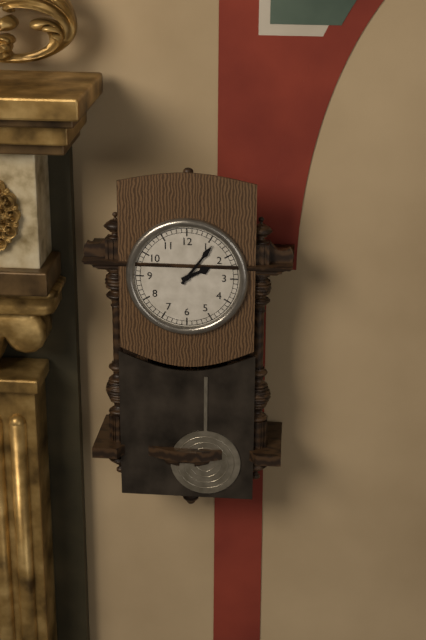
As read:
2.06
